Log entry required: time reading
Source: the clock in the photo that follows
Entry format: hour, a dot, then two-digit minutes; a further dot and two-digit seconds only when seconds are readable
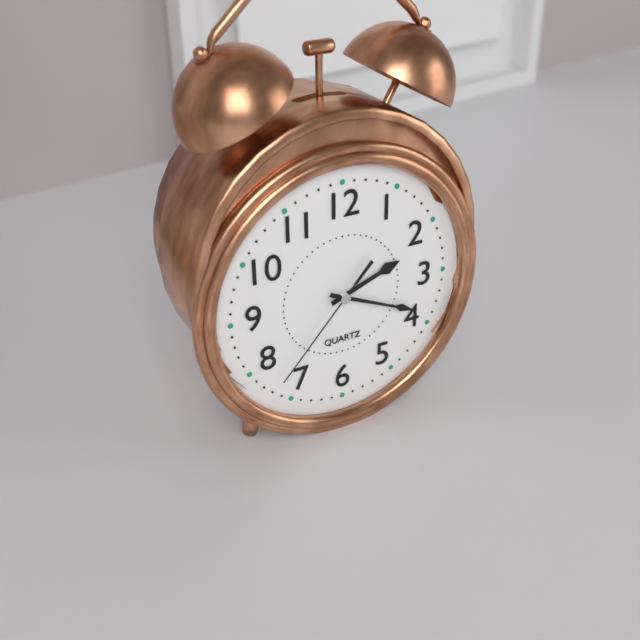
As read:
2.19.37
